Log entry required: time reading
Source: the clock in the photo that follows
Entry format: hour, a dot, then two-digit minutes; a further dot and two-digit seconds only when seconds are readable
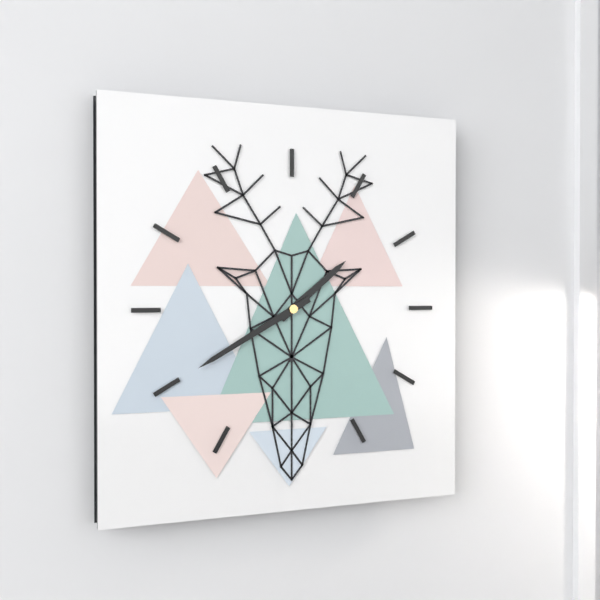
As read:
1.40
